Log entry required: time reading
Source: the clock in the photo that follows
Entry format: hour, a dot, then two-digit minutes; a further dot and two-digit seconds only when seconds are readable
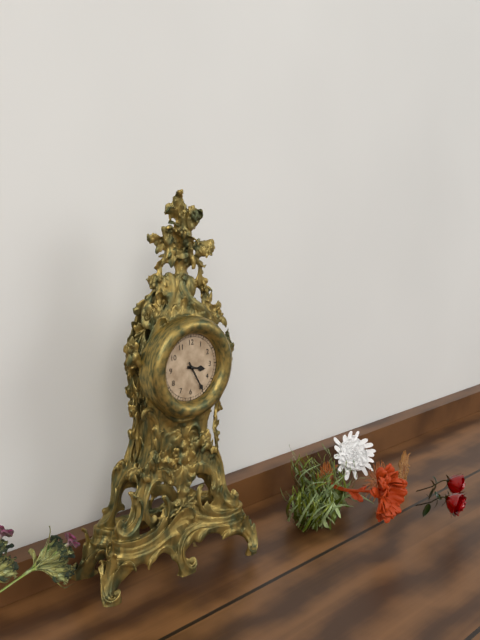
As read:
3.25
